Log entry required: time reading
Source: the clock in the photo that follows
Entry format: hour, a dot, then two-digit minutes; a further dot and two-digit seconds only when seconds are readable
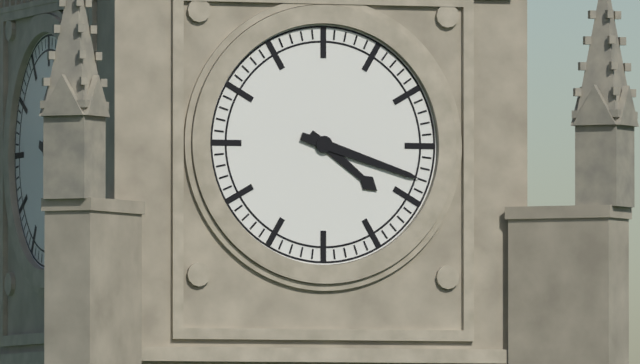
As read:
4.18
